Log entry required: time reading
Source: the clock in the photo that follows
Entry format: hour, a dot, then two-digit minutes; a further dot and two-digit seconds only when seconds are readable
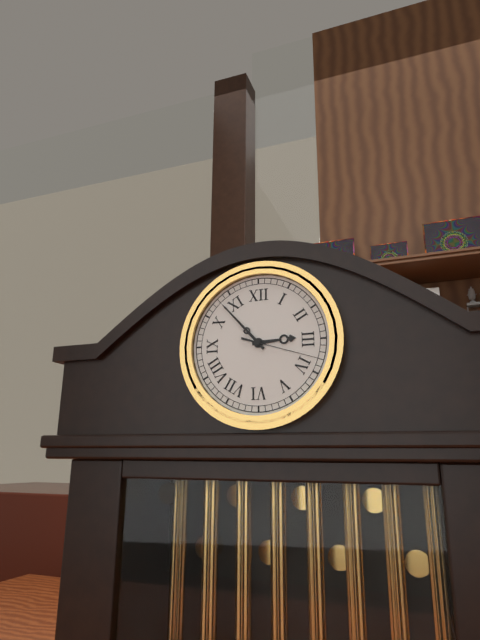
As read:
2.53.18
